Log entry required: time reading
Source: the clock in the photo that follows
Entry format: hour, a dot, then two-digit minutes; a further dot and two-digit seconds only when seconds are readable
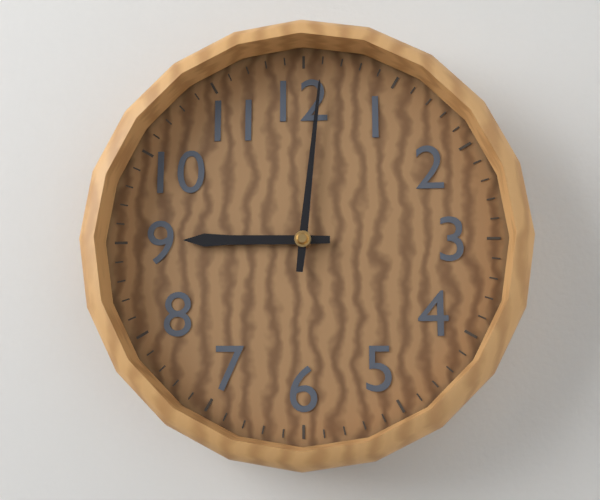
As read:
9.01
